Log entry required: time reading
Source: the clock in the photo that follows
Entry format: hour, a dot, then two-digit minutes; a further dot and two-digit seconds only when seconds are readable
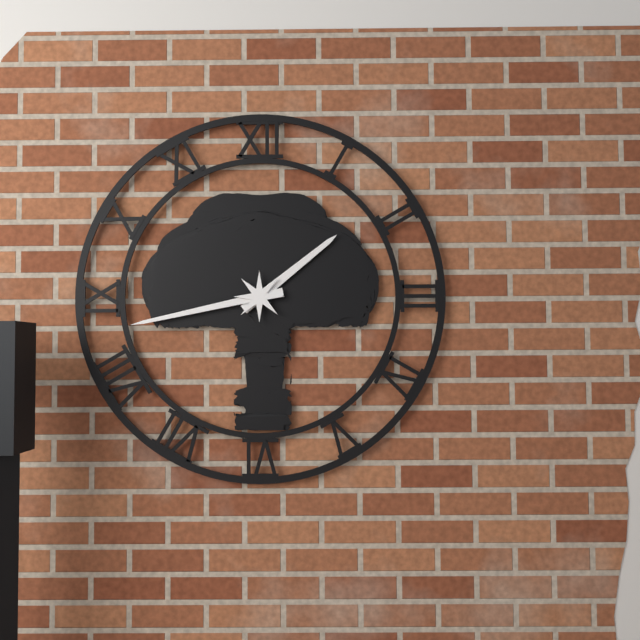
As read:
1.43
